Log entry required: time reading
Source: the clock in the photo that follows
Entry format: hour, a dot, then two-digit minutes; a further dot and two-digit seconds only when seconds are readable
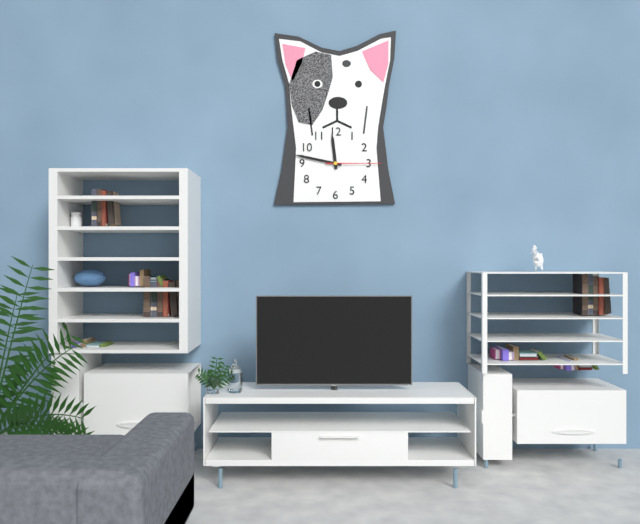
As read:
11.47.15
